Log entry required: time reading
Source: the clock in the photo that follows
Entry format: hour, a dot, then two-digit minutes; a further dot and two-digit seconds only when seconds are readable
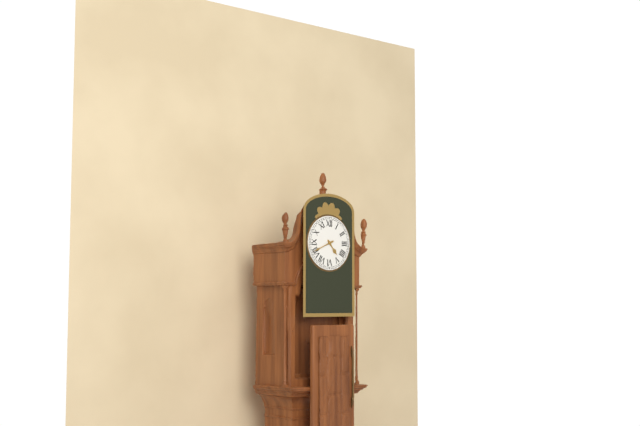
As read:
4.41
